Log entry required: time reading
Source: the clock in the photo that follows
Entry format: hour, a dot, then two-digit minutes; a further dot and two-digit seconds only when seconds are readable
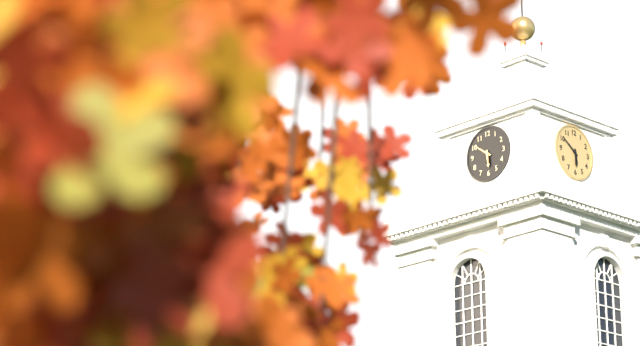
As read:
5.51
